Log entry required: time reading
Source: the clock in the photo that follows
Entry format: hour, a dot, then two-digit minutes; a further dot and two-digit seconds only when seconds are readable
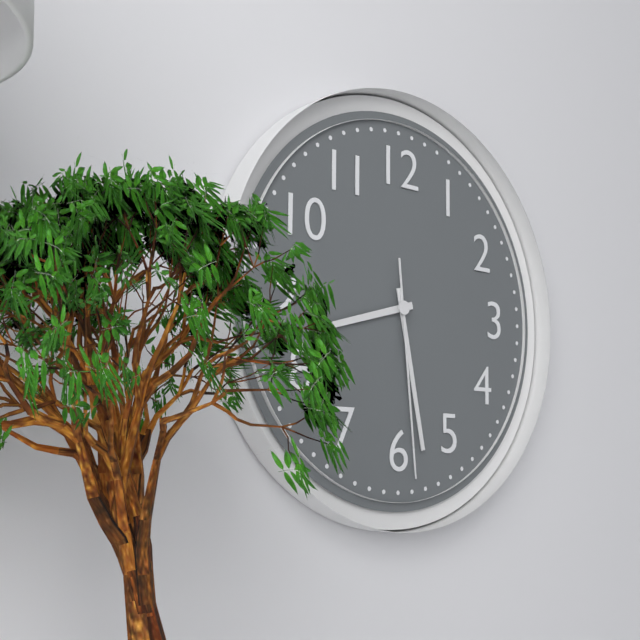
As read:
8.28.29
